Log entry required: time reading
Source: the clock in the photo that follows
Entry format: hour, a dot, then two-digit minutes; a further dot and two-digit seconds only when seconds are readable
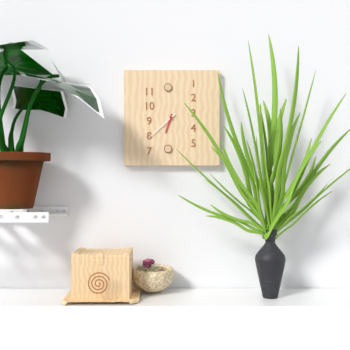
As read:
6.38
